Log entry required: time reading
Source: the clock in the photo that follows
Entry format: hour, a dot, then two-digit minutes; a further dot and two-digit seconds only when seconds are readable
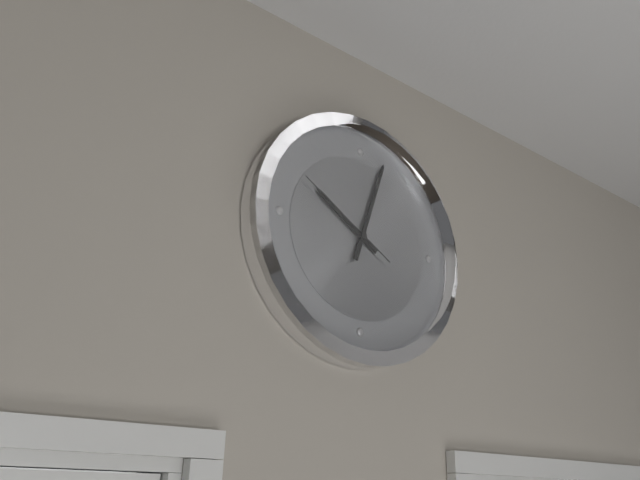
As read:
10.03.50
